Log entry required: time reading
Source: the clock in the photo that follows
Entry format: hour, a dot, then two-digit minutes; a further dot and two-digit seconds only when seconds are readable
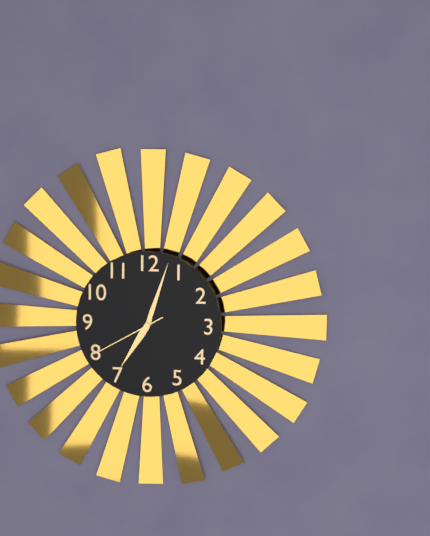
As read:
7.03.40
